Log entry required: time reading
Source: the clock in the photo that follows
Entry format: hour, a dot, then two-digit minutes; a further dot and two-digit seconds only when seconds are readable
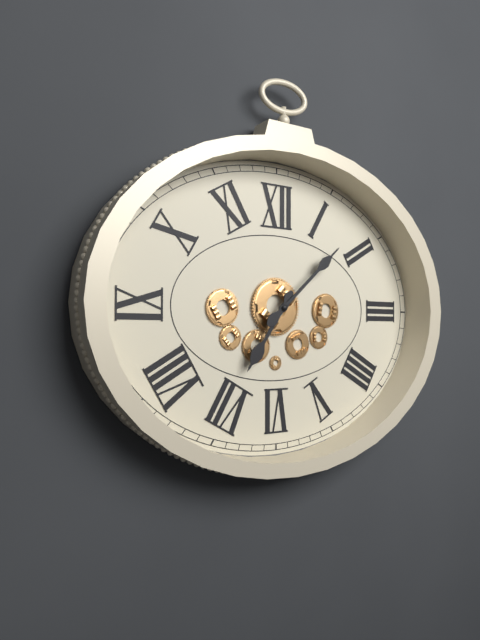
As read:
7.08
